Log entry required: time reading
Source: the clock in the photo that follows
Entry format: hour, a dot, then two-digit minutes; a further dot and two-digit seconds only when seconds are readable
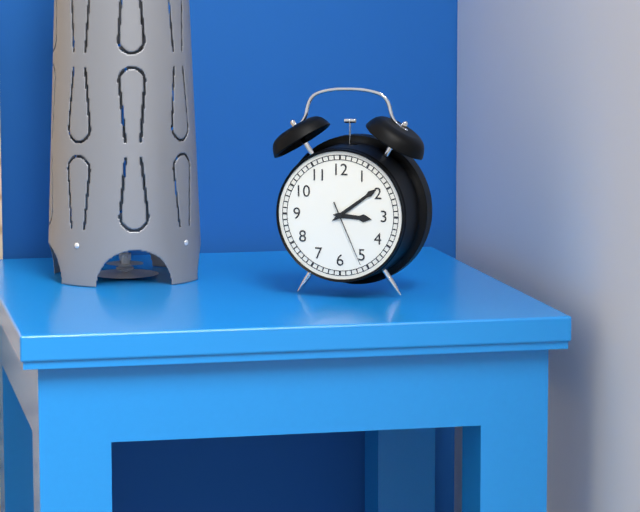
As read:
3.09.26
